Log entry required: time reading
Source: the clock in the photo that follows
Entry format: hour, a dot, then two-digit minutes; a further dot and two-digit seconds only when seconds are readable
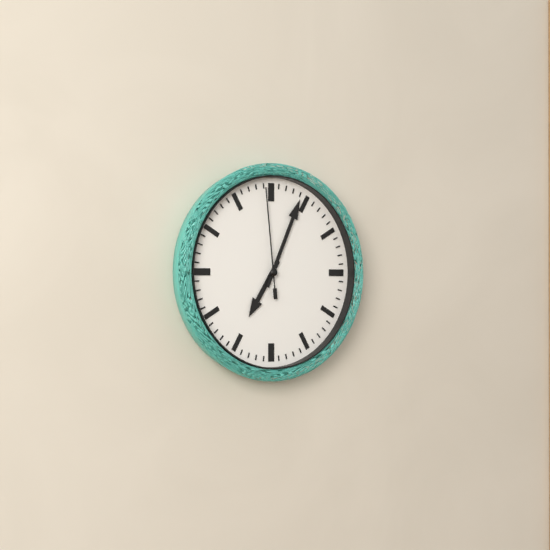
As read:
7.04.59
